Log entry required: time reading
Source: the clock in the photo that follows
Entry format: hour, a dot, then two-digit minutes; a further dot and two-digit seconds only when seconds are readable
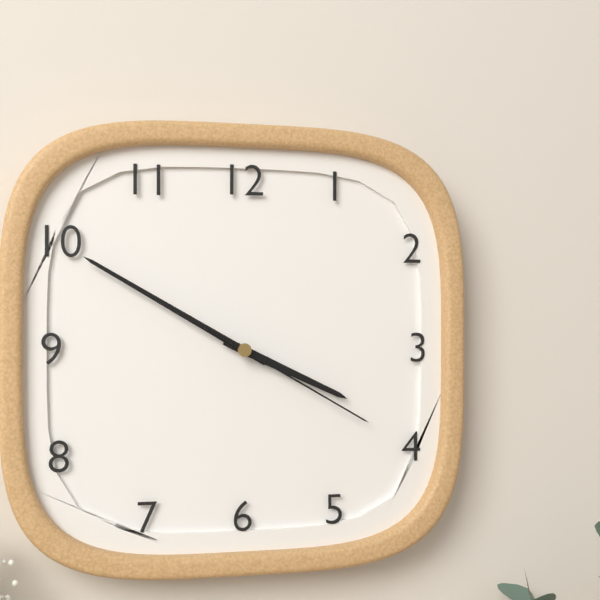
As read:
3.50.20
